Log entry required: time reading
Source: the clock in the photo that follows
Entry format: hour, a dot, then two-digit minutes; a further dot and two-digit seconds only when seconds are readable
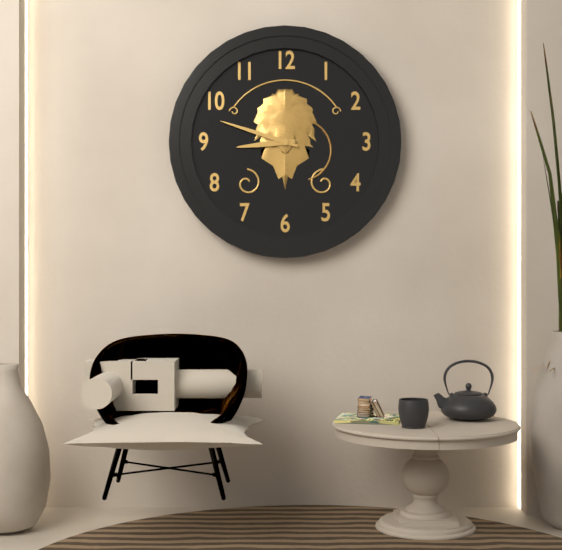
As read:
8.48
